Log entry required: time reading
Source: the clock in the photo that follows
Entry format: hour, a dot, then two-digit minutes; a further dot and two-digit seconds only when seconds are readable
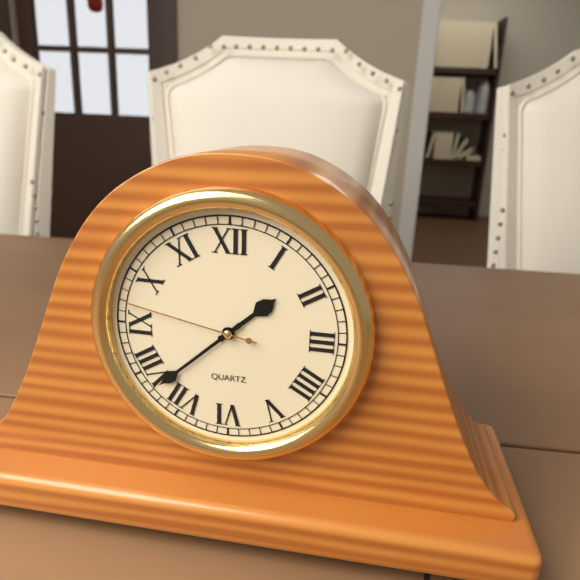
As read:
1.38.47
